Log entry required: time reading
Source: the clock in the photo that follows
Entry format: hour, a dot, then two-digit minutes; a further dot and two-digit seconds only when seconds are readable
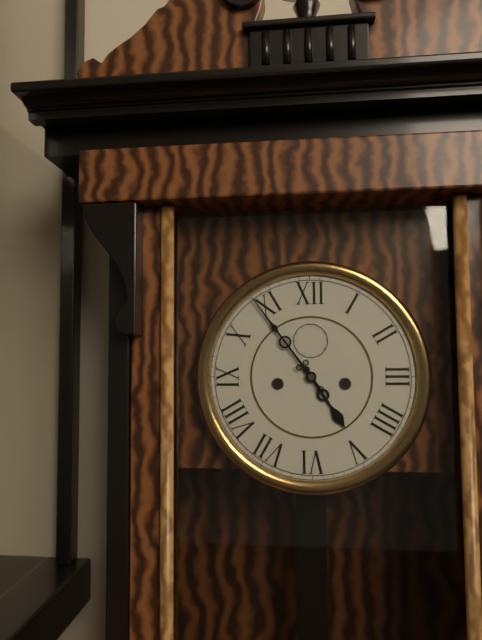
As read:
4.54
